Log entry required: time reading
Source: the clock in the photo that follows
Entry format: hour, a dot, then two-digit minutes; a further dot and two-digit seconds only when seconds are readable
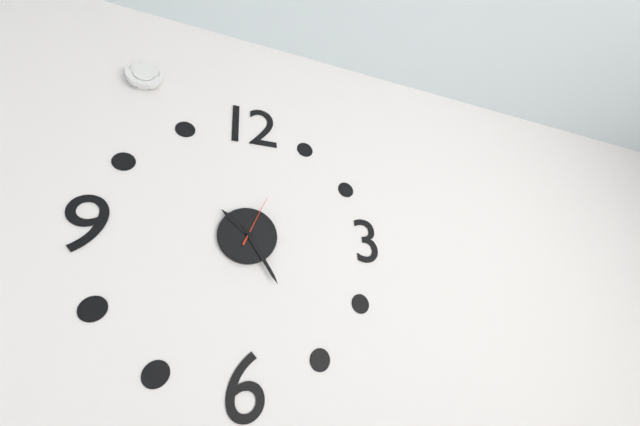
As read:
10.25.04
